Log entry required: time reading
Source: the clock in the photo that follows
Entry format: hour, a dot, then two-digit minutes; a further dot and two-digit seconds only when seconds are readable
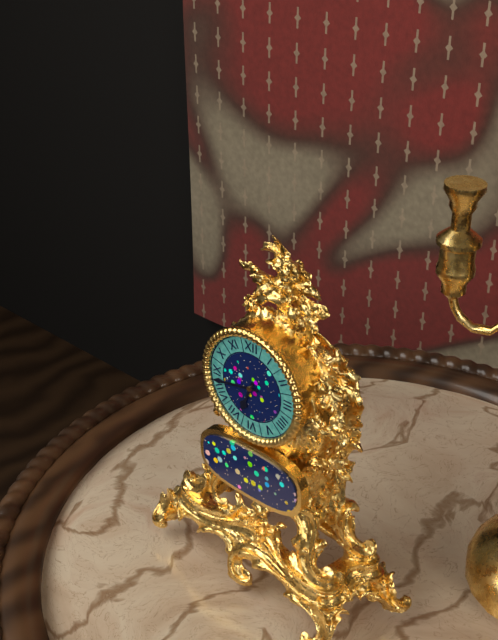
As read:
6.43
